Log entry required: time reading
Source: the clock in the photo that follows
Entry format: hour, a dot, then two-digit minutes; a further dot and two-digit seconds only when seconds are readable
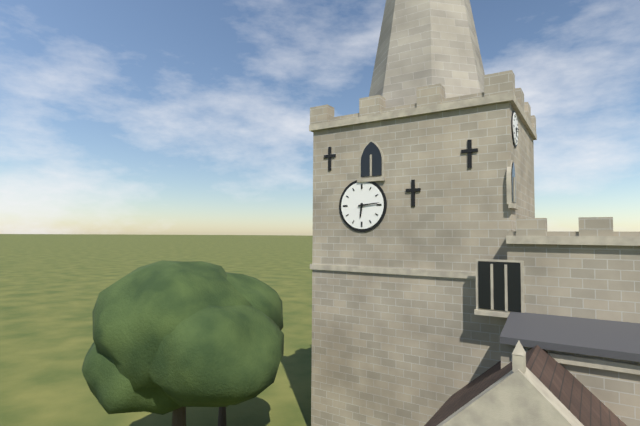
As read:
6.14
